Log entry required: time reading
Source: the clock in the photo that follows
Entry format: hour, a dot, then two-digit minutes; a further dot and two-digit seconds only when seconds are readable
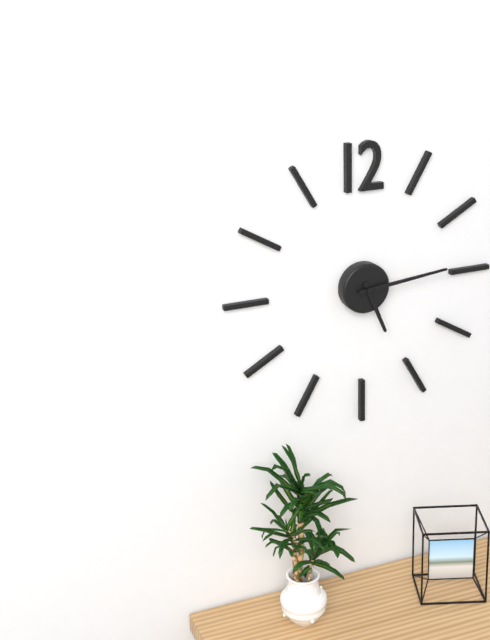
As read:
5.14
